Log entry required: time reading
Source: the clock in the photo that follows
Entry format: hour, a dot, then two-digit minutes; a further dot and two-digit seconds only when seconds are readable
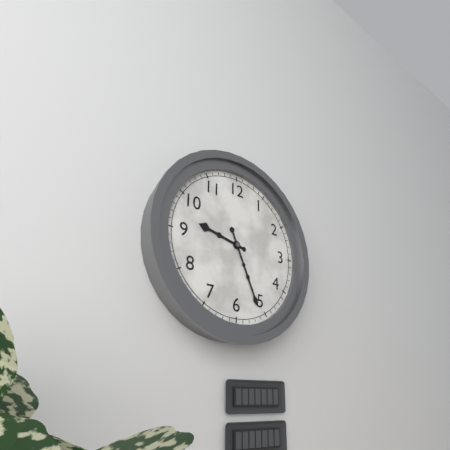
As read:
9.26
